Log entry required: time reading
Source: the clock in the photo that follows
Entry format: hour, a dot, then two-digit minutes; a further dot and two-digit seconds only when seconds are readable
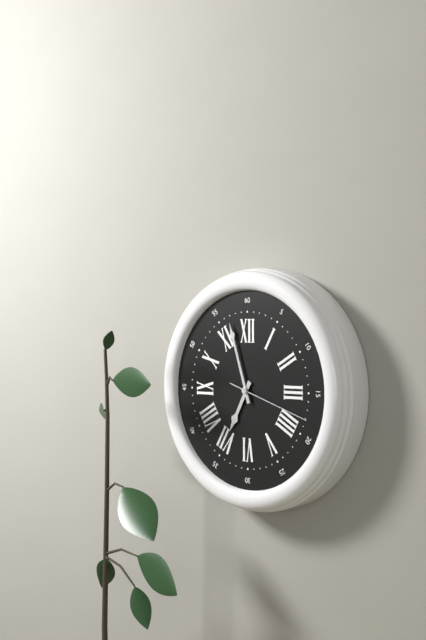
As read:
6.57.18
